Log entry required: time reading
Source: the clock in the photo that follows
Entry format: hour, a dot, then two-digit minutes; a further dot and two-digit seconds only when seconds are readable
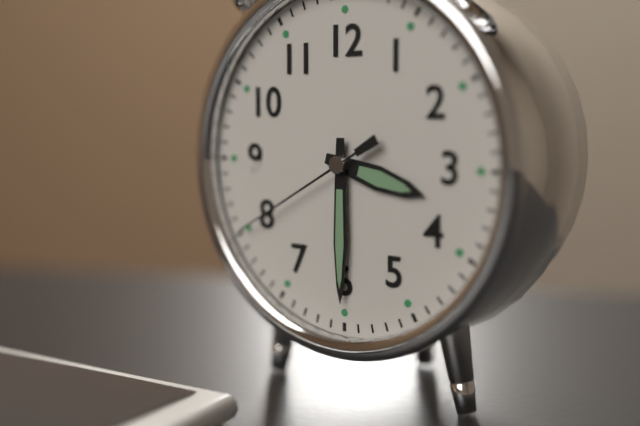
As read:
3.30.40
